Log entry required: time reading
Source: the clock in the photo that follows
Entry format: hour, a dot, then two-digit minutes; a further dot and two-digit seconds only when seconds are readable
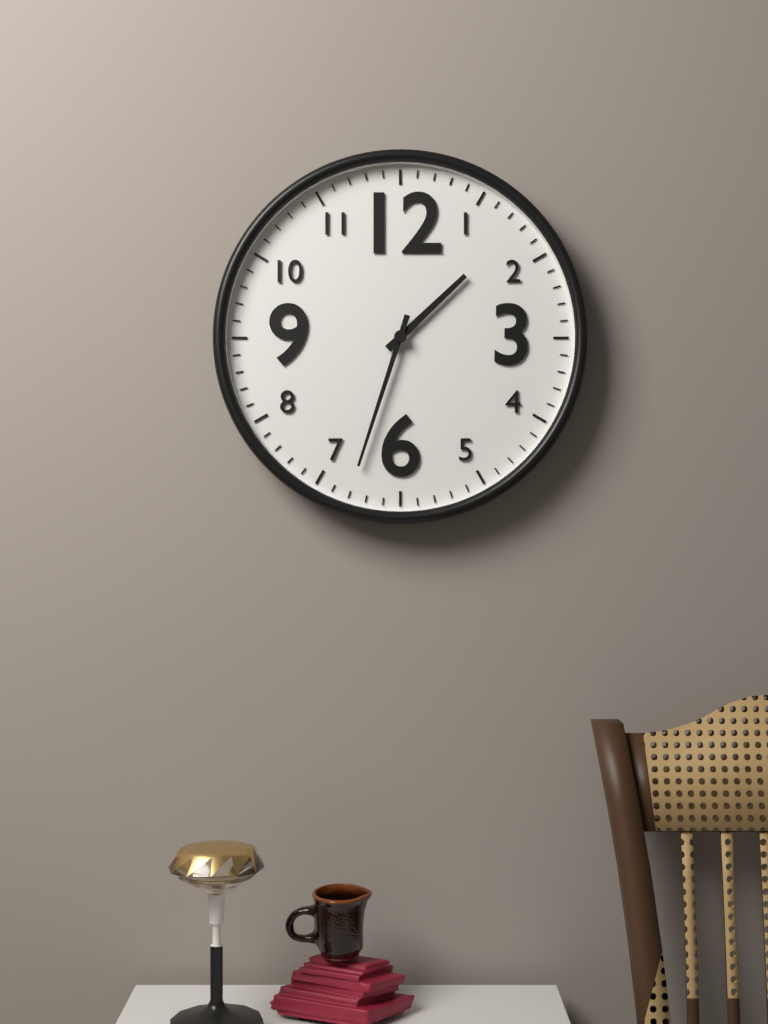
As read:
1.33
